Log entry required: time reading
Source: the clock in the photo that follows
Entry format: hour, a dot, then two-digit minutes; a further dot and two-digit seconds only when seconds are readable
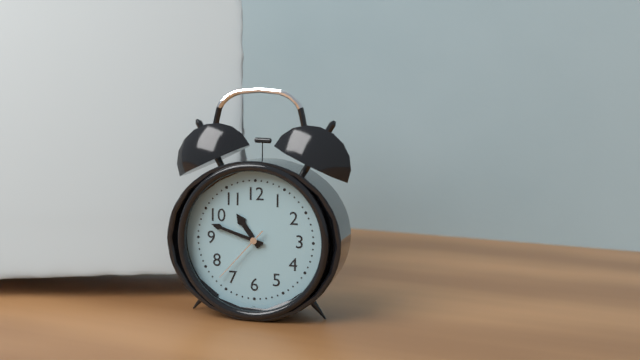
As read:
10.48.37
